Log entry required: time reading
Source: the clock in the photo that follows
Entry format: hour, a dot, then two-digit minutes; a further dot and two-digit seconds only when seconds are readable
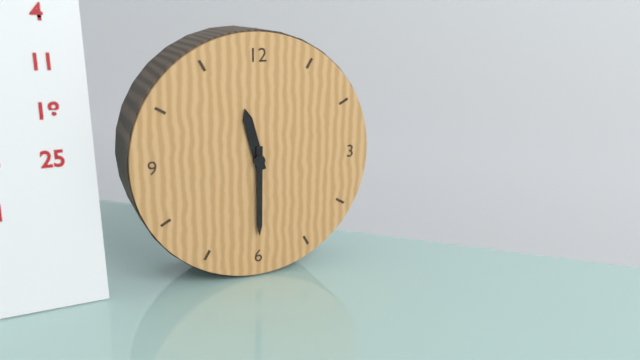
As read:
11.30
